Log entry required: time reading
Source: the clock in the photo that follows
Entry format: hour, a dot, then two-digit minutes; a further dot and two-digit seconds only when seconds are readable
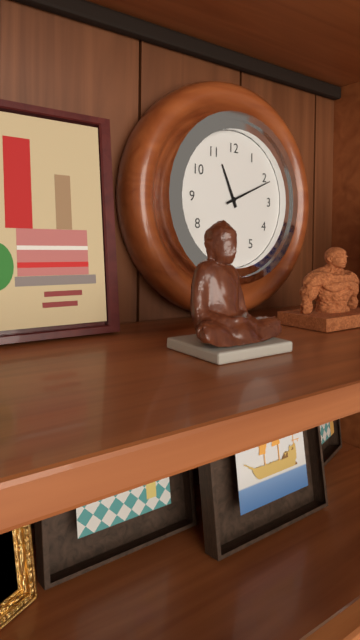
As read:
11.11
